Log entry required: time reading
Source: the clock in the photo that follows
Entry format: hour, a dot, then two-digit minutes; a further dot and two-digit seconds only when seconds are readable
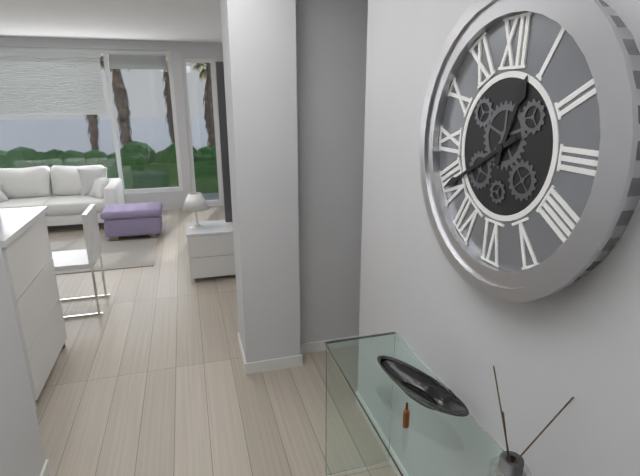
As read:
12.40
